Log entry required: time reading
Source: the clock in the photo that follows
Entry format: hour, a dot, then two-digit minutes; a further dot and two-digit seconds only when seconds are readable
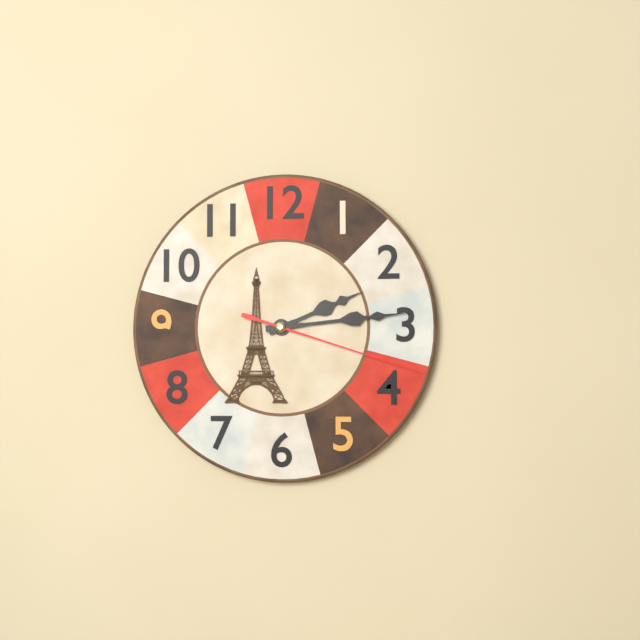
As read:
2.14.18
